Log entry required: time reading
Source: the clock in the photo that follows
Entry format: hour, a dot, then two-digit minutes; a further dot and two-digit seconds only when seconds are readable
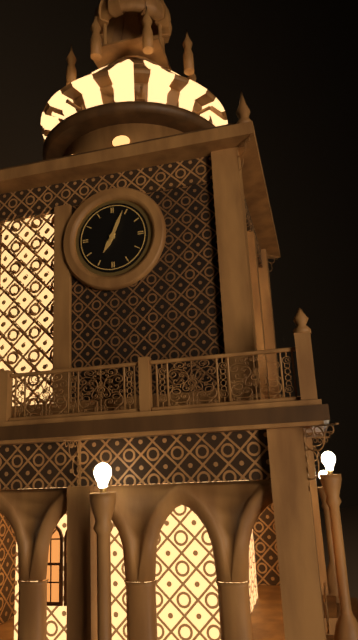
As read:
7.04
